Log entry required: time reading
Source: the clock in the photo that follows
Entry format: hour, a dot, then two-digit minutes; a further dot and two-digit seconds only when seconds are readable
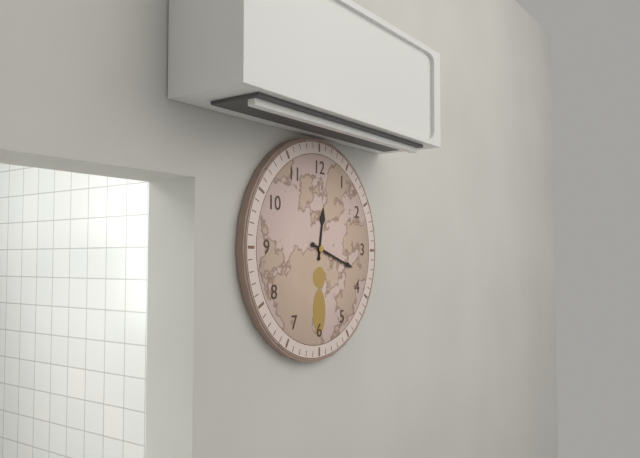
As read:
12.18
